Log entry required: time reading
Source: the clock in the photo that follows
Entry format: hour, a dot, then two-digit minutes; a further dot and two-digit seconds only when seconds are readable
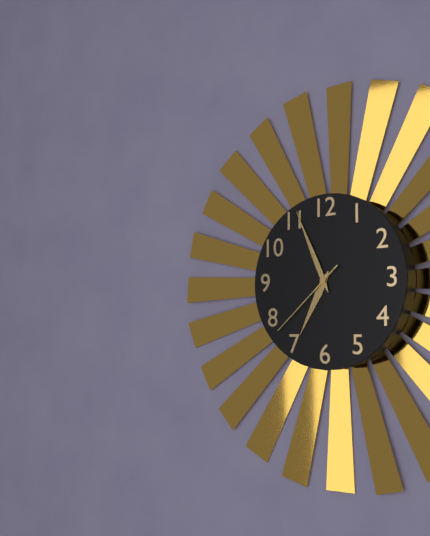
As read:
6.56.38
